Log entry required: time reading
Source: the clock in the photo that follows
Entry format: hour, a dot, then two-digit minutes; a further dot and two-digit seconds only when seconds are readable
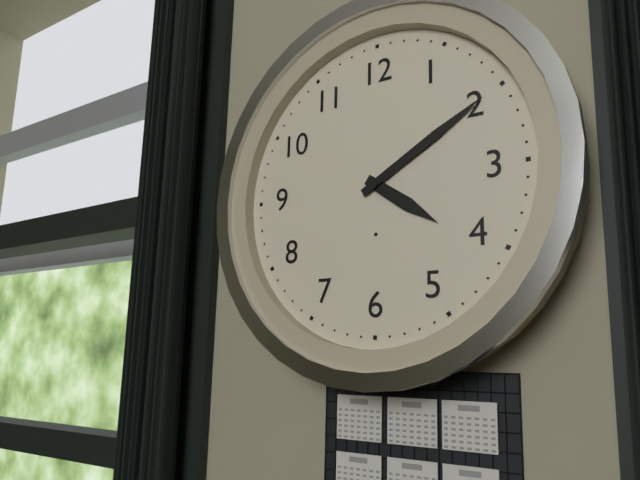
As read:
4.10
